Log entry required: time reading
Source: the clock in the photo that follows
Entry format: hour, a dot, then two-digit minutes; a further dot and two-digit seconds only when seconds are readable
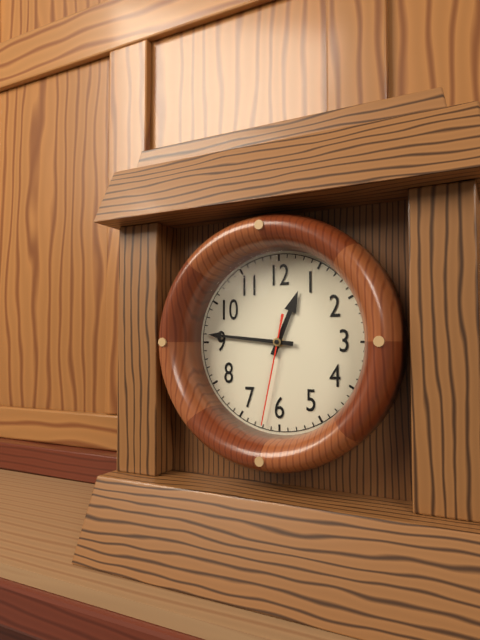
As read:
12.46.32
